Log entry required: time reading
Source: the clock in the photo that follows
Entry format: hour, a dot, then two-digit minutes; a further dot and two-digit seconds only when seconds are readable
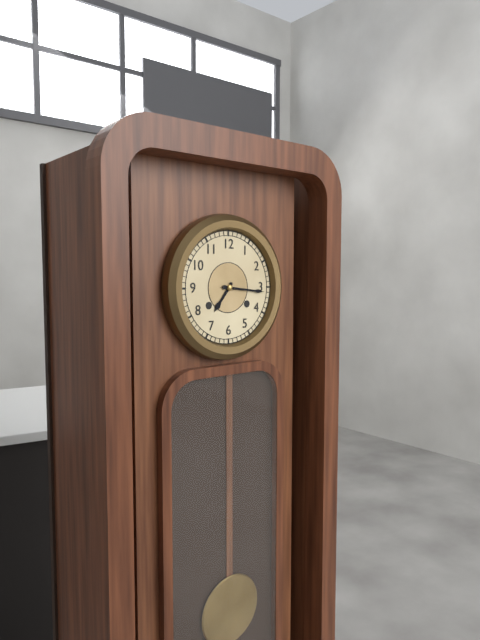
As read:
7.16
